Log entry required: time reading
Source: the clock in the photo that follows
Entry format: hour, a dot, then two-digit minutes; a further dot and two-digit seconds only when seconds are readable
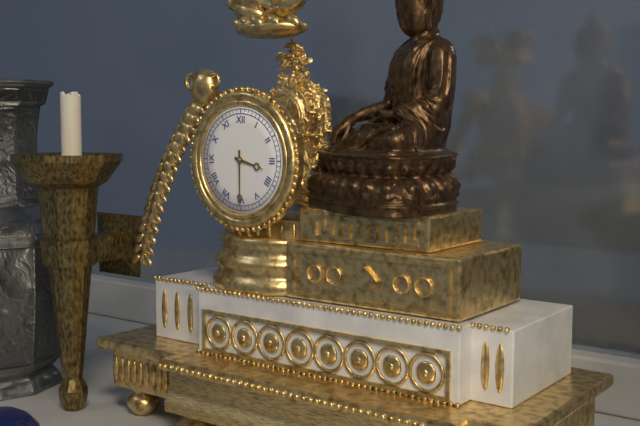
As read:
3.30
